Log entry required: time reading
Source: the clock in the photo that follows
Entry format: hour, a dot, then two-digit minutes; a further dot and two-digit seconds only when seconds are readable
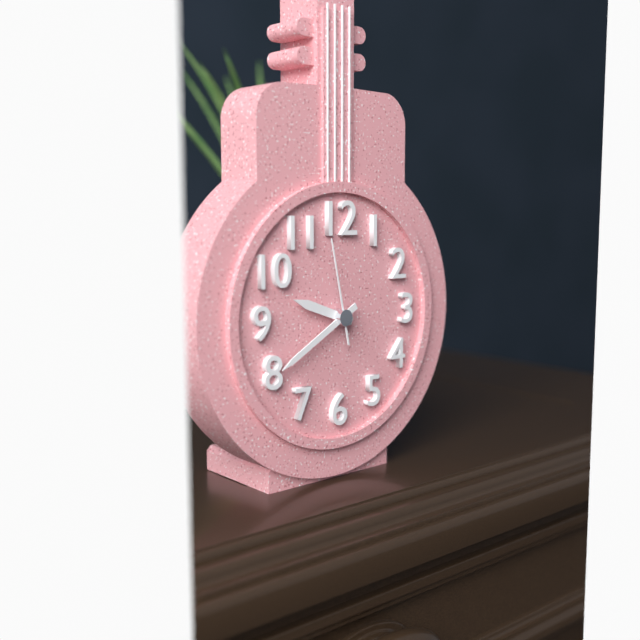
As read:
9.40.58
